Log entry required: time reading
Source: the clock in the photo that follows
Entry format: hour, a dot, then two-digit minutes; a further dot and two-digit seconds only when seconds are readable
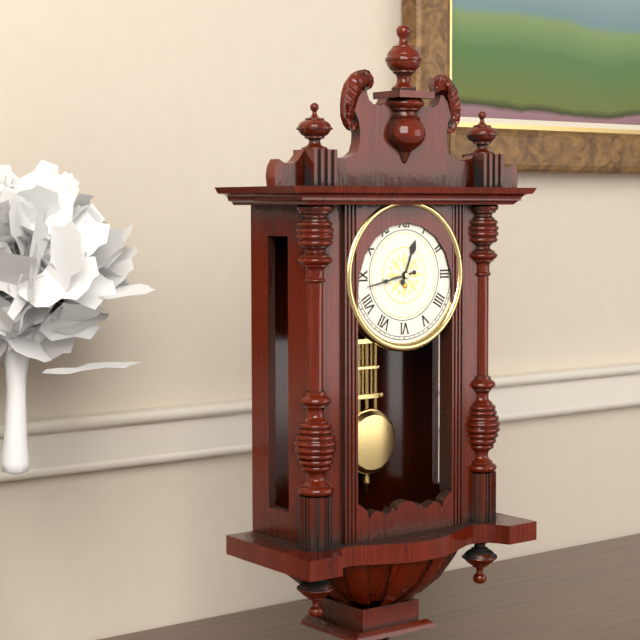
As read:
12.43
